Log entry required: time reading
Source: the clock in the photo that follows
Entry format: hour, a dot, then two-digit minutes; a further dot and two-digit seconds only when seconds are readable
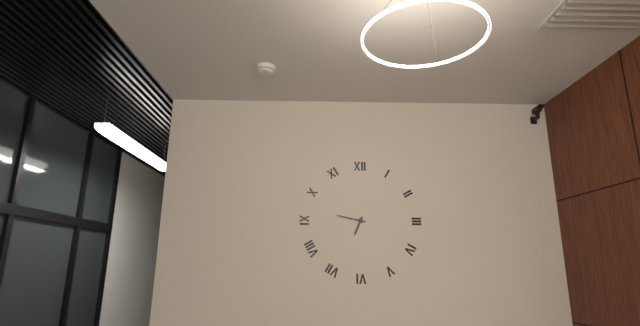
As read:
6.47
